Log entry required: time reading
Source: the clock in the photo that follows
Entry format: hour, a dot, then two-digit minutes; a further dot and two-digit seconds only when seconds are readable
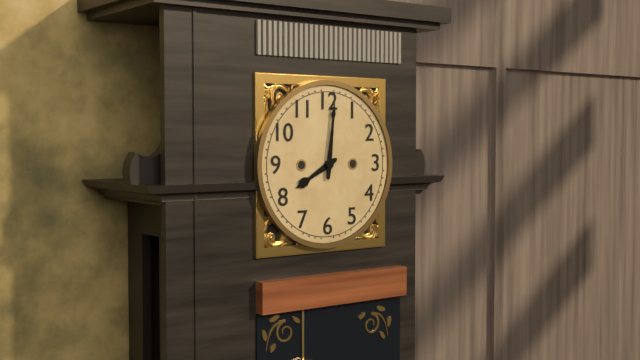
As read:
8.01
